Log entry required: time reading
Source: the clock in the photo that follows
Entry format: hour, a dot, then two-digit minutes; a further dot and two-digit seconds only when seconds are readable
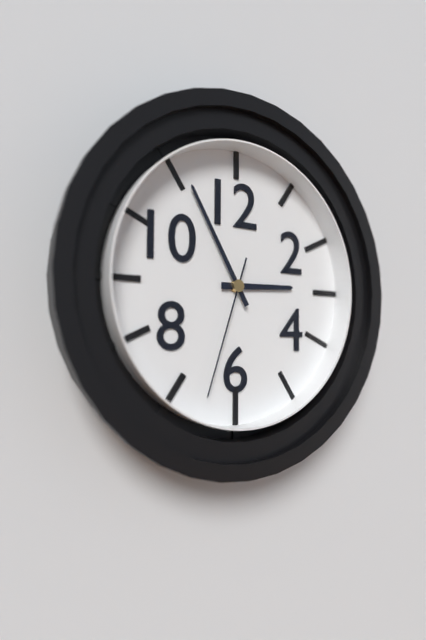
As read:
2.55.33
